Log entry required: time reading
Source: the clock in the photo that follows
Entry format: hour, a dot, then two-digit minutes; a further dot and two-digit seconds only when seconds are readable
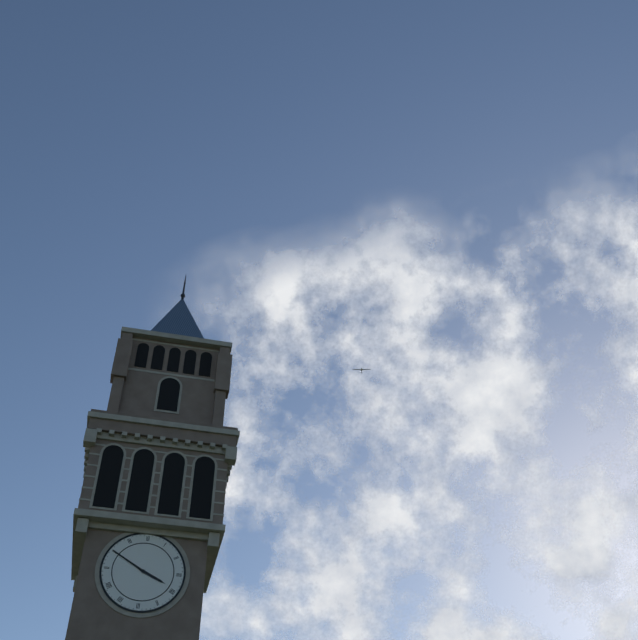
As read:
3.50
